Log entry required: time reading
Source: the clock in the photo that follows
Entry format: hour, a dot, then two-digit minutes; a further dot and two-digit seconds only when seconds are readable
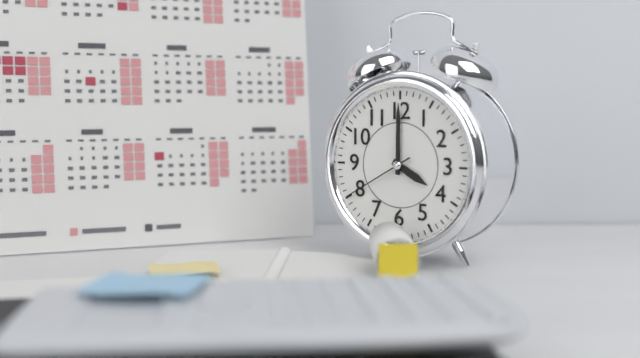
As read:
4.00.40
